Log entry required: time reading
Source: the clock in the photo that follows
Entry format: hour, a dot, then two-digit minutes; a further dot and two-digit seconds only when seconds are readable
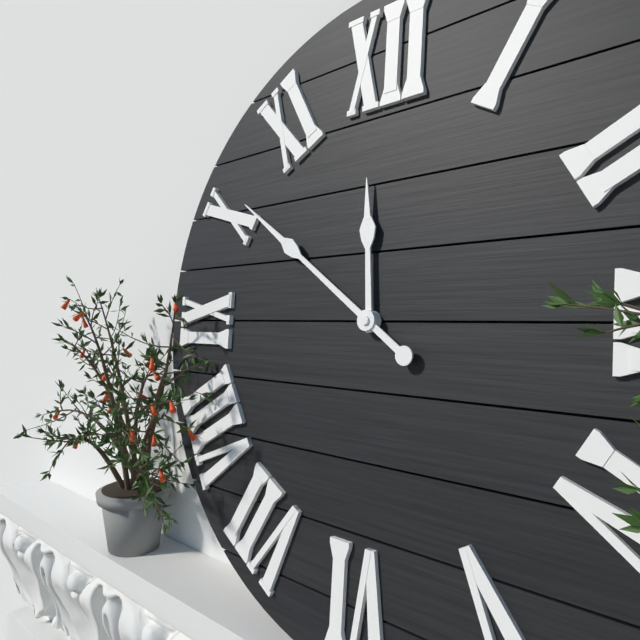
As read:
11.51
